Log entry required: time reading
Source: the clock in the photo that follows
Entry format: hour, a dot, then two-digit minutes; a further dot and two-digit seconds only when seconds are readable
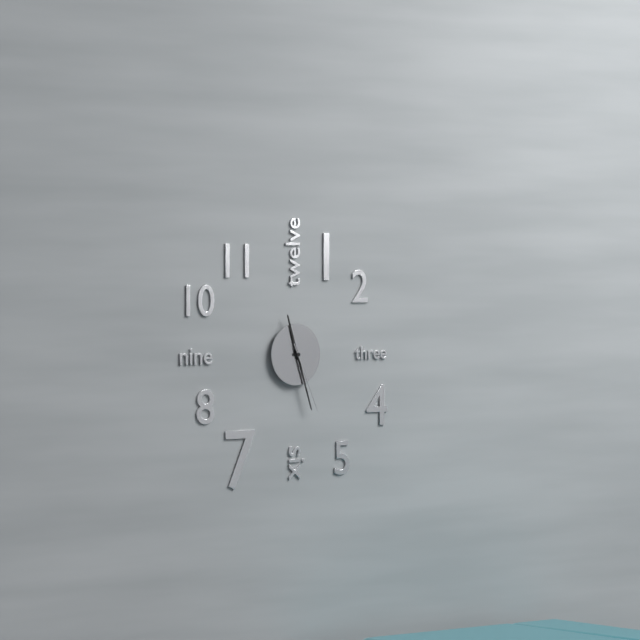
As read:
11.27.26
